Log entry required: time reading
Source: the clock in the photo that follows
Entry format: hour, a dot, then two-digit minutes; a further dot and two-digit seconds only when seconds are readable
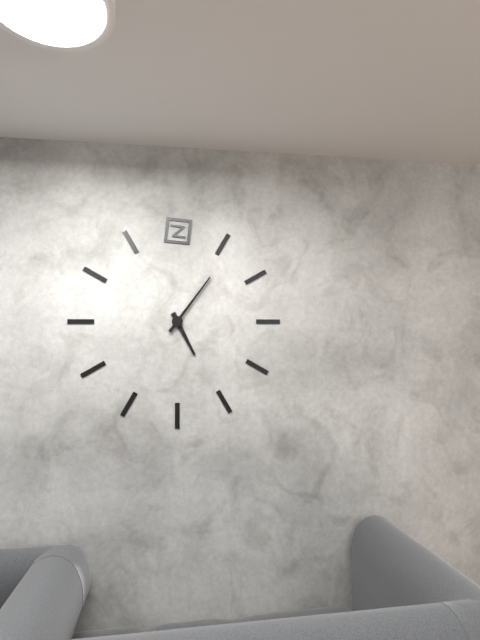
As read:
5.06
